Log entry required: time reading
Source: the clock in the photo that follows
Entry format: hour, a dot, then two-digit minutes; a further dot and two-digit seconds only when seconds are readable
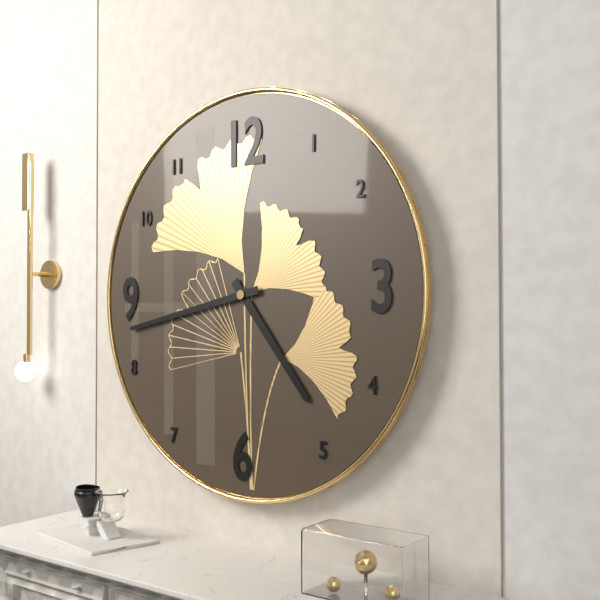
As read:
4.43
